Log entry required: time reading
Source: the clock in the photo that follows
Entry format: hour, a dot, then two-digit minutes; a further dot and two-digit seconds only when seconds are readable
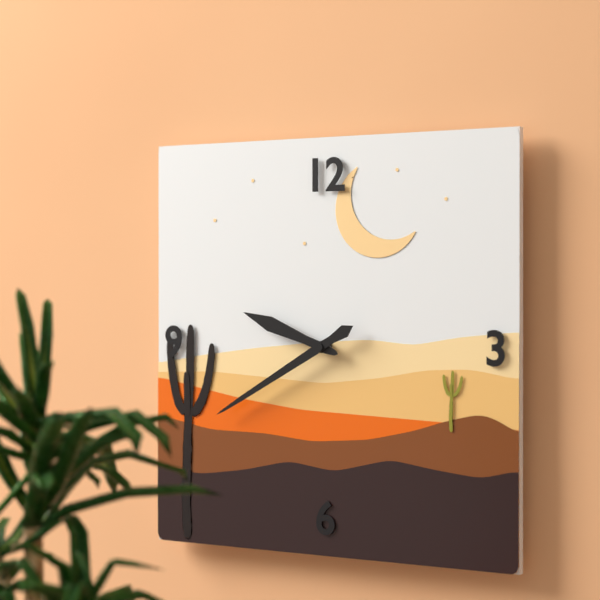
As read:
9.40
